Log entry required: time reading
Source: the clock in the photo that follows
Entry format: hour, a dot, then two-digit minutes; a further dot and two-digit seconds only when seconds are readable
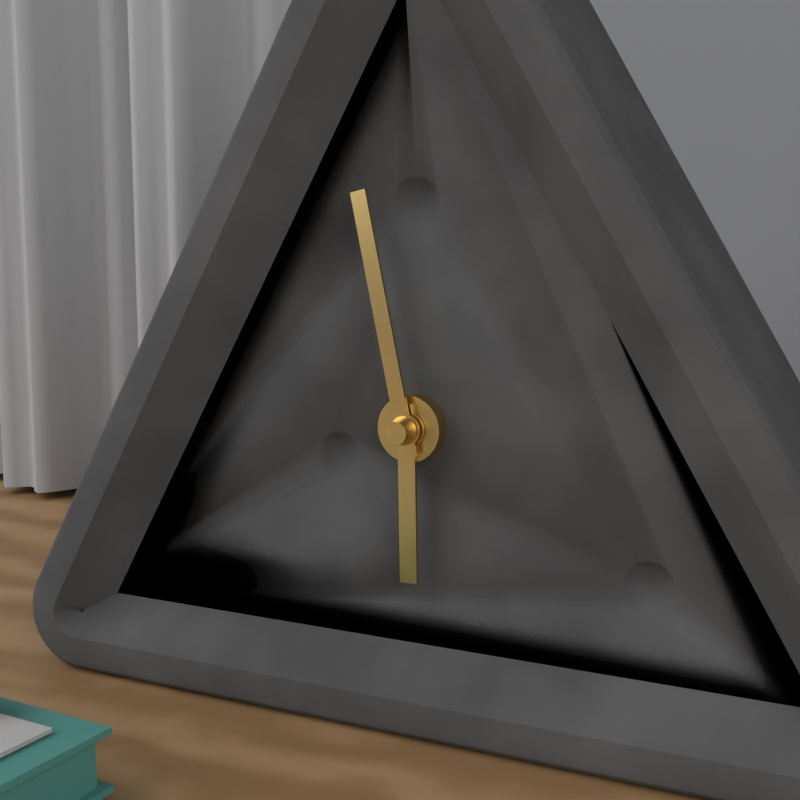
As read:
5.58
